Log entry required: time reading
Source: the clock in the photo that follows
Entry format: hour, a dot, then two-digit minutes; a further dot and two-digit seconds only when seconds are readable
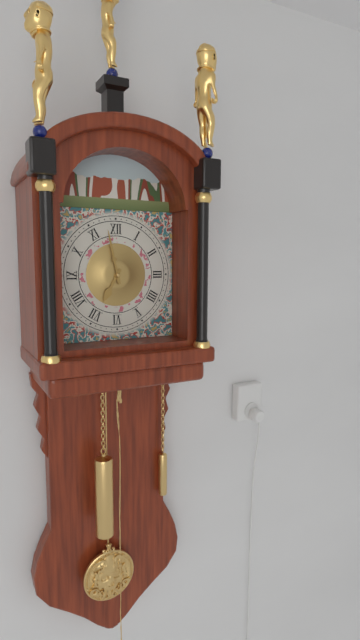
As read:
6.58
